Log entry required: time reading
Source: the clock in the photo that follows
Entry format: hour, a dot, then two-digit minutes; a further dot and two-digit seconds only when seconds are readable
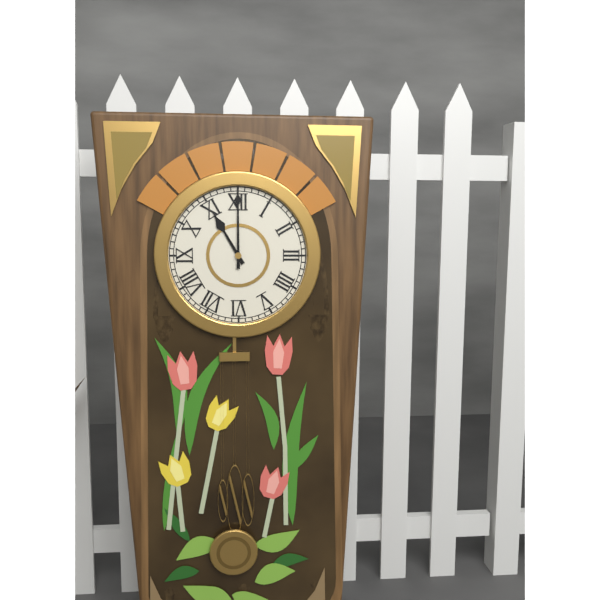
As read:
11.00
